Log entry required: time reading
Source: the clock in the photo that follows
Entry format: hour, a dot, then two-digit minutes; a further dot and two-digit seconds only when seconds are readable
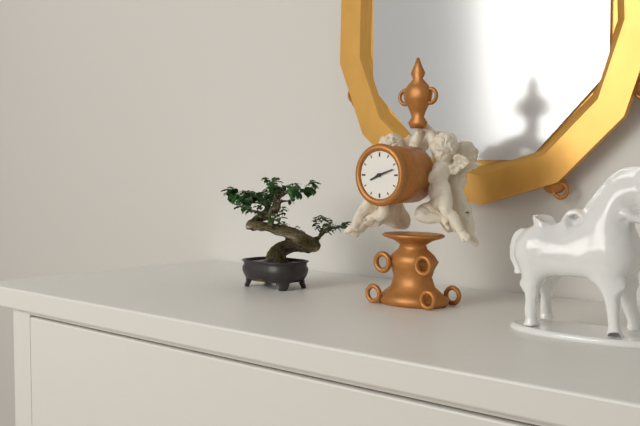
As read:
8.12
